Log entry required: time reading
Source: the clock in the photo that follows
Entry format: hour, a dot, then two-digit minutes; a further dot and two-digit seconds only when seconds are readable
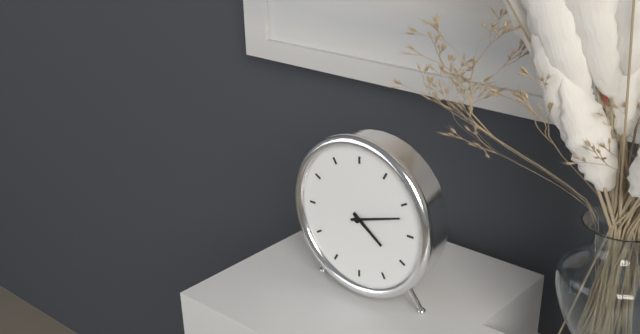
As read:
4.12
